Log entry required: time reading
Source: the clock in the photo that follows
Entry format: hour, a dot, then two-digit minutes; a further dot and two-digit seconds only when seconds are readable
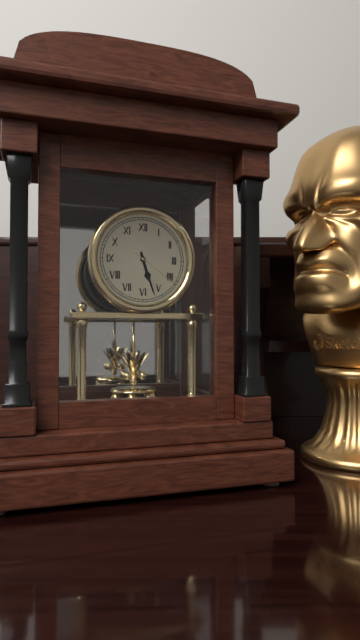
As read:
5.27.21
